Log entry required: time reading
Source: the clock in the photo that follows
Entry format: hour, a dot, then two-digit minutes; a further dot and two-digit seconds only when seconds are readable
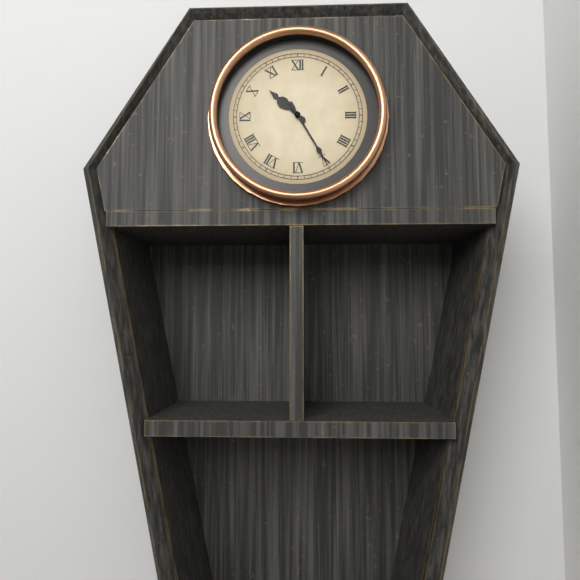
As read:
10.25
